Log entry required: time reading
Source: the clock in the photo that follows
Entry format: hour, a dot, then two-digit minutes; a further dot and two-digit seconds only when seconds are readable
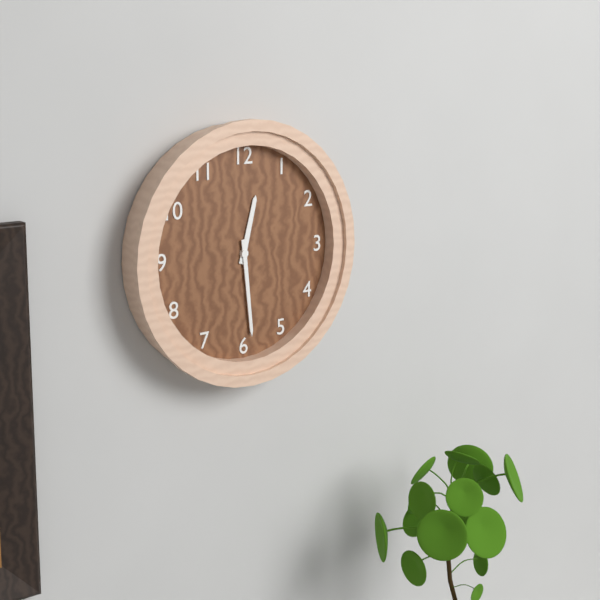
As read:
12.29
